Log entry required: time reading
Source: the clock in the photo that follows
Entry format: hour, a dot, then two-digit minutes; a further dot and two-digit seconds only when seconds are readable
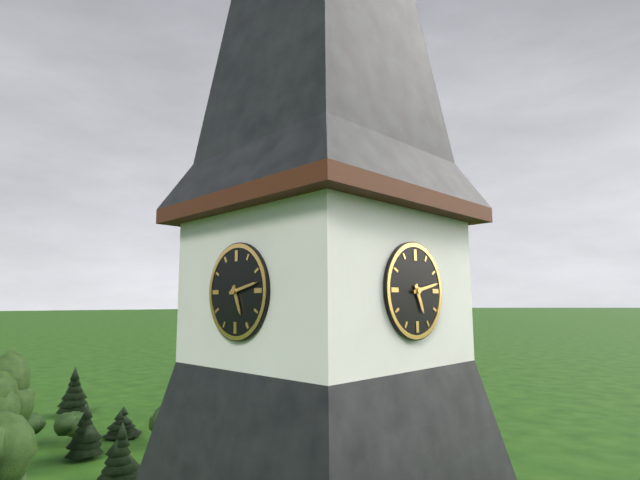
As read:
5.13
